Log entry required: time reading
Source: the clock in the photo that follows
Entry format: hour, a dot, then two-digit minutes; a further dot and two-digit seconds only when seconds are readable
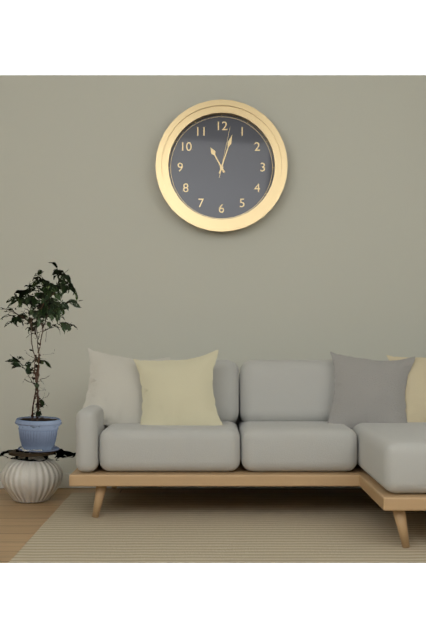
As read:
11.03.02
